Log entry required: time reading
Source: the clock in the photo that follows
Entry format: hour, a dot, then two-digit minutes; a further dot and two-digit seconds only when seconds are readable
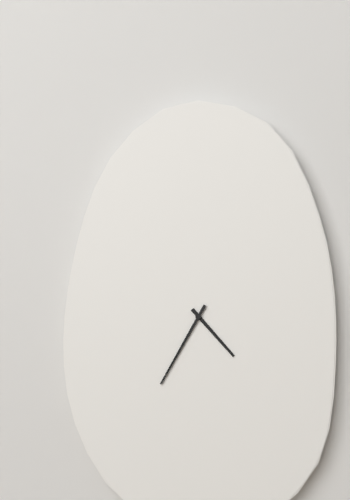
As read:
4.35
